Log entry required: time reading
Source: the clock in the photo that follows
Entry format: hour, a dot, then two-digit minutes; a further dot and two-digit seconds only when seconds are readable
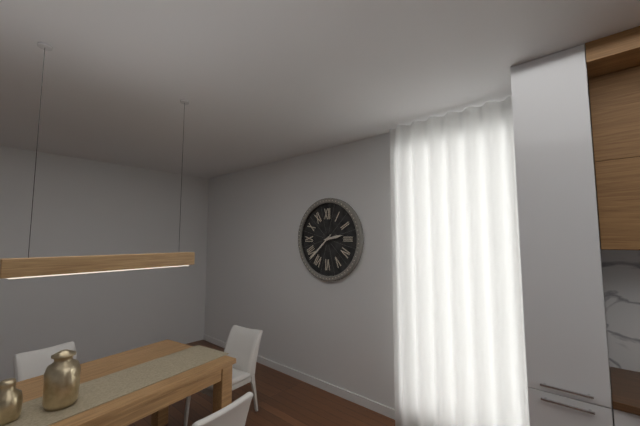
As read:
2.38
